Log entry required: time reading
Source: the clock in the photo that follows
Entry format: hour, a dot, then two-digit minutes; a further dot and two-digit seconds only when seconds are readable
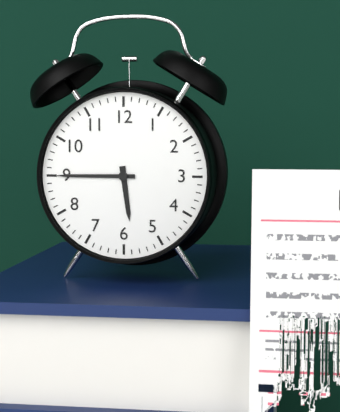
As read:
5.45
